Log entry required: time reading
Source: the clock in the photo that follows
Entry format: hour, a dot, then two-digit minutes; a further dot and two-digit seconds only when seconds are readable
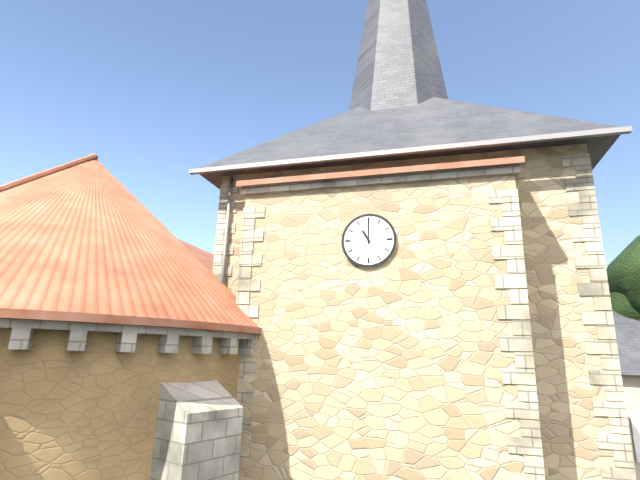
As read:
11.00
